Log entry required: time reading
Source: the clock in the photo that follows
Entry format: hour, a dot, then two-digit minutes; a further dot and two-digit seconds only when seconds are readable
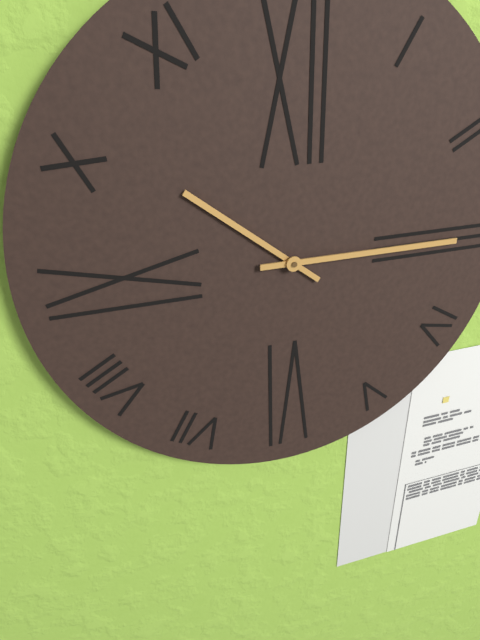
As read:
10.15
